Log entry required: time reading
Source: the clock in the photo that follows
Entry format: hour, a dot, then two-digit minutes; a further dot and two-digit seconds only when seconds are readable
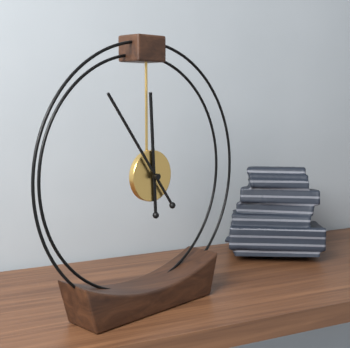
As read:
11.54
